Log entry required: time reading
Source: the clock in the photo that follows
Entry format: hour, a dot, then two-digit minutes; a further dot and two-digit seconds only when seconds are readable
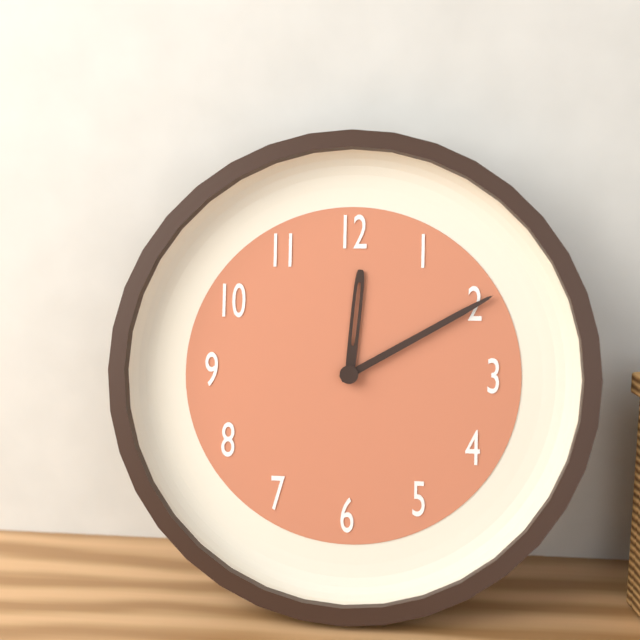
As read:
12.10
